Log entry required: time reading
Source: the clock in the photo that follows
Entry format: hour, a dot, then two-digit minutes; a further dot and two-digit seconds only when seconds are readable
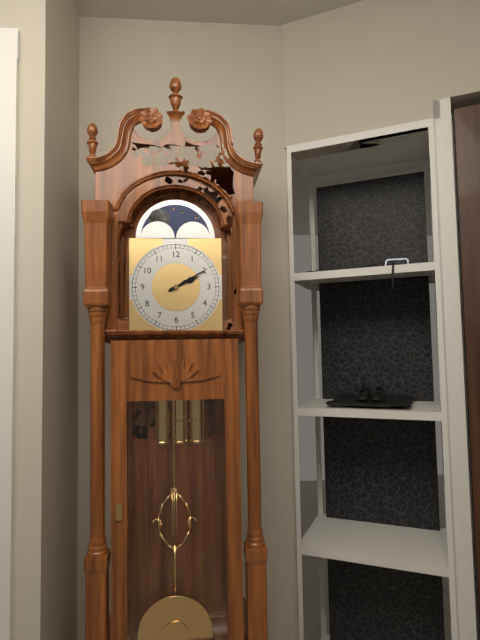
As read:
2.10
